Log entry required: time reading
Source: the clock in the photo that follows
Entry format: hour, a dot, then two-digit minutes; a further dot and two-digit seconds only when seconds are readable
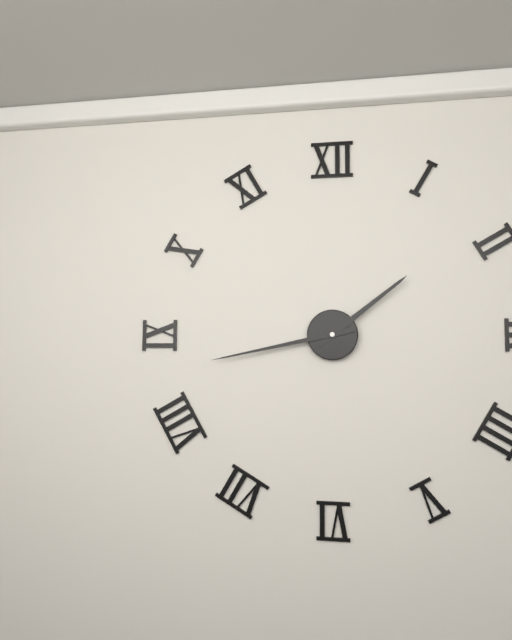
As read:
1.43
